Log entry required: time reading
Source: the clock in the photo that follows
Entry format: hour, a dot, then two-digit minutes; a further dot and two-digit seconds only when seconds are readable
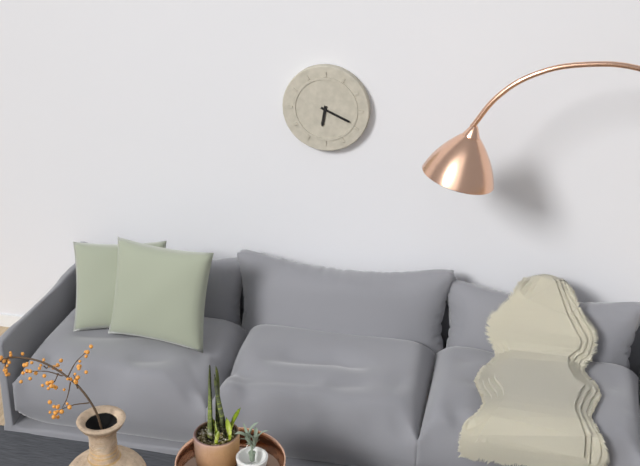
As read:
6.19
